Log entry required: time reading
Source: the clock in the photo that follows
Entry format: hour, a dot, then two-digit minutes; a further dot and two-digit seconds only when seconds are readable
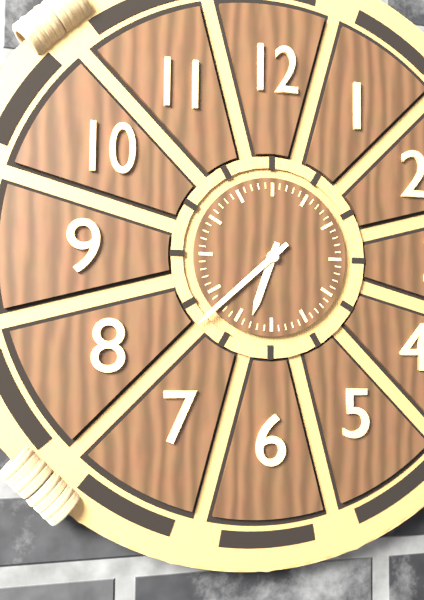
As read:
6.38
